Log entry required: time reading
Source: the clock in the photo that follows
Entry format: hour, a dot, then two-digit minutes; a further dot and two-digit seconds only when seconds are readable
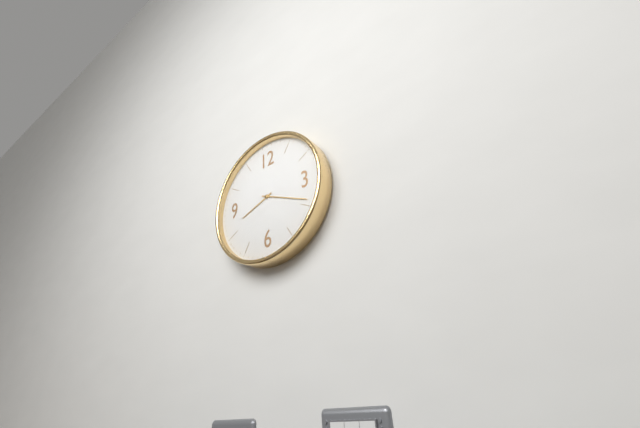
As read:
8.19
